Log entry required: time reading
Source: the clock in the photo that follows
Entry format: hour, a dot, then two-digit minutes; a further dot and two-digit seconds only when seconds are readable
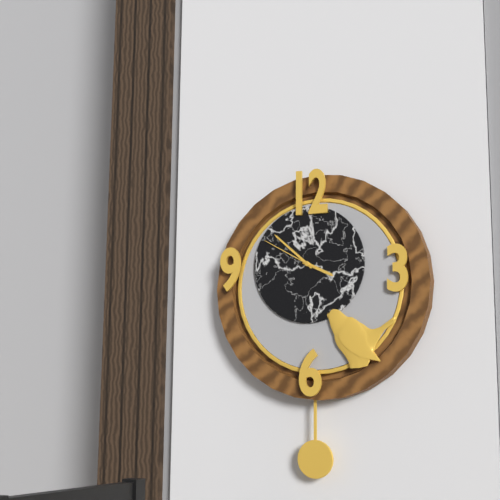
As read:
3.52.50
